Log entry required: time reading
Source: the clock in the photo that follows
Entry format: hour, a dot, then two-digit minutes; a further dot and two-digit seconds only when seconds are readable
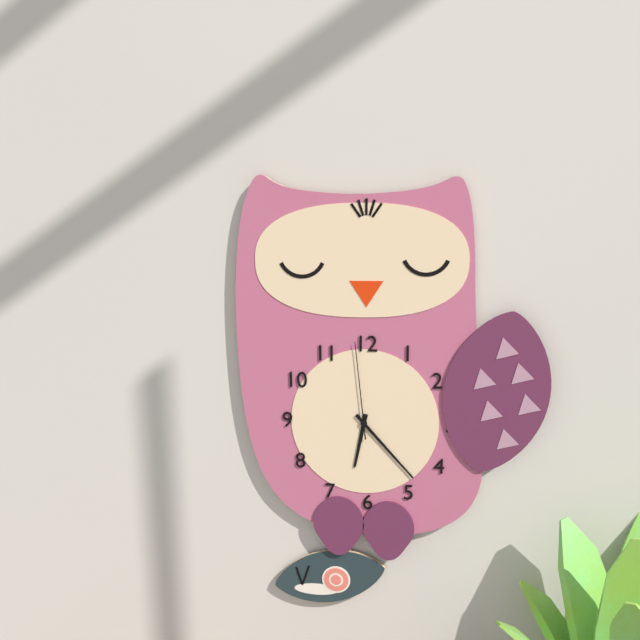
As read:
6.23.59
